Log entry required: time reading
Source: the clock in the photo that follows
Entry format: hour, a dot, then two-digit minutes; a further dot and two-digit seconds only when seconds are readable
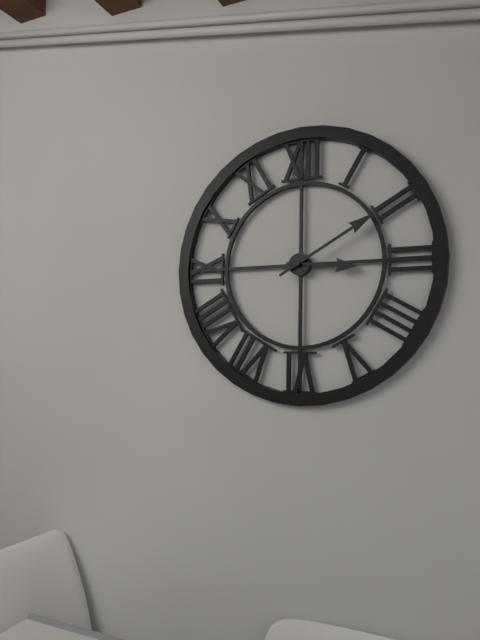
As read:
3.10
